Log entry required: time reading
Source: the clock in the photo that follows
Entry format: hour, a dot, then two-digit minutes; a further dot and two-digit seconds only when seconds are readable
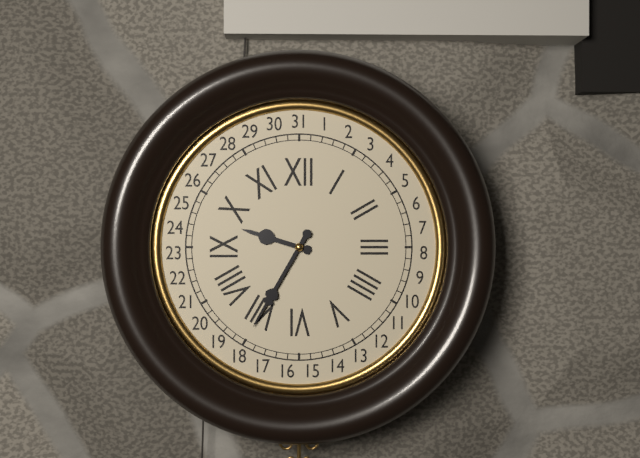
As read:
9.35
